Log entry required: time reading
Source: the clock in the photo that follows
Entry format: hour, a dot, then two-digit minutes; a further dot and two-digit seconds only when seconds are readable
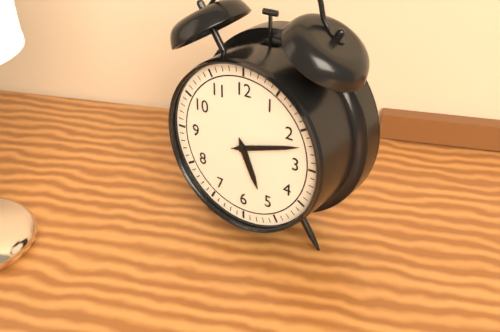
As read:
5.12
